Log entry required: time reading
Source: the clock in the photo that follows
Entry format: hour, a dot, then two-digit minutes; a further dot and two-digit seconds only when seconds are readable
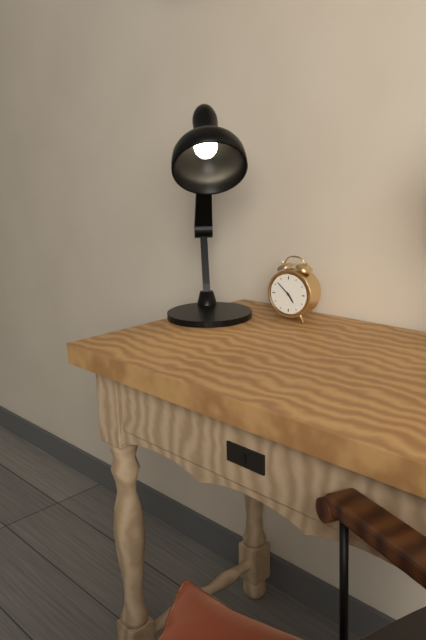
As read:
4.52
